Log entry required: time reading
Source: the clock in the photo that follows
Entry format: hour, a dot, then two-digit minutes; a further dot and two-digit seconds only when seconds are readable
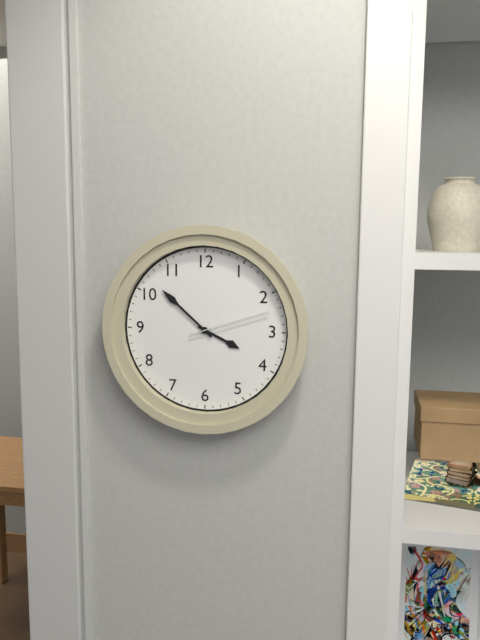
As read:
3.52.12
